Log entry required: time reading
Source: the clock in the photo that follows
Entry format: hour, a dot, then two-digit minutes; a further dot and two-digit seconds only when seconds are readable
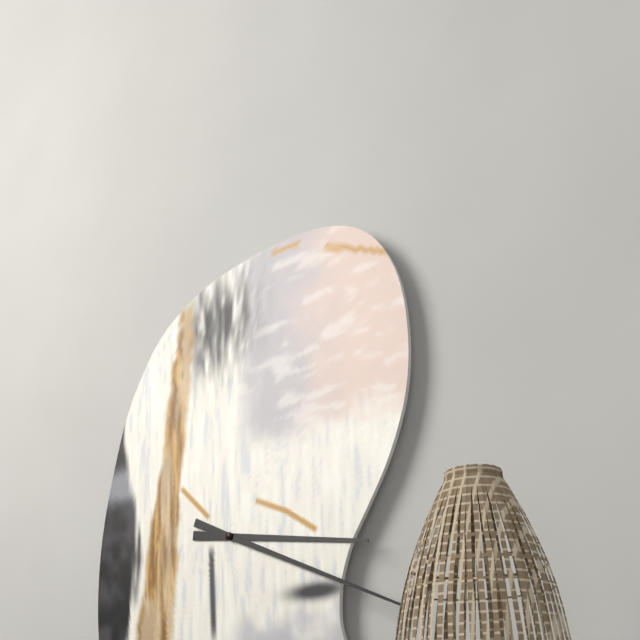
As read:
3.19
